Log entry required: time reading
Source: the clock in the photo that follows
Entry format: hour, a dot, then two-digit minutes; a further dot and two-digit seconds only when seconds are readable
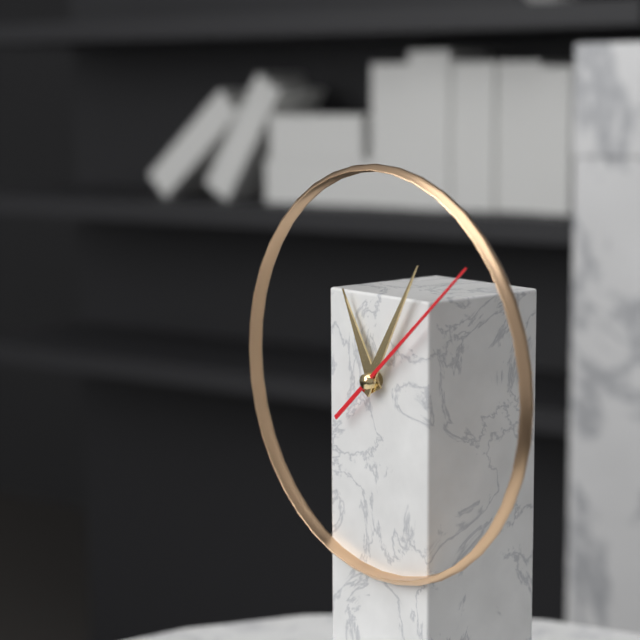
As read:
11.05.08
